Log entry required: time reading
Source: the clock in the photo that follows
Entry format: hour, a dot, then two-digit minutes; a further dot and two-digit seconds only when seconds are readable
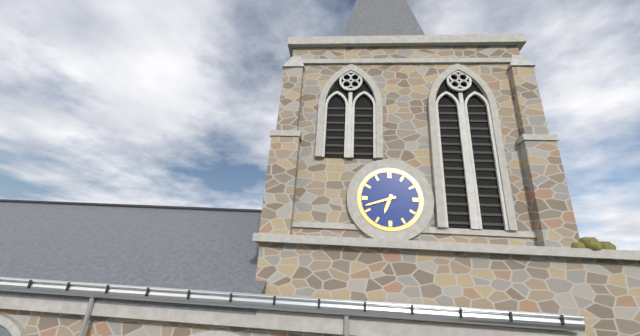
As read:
6.42
